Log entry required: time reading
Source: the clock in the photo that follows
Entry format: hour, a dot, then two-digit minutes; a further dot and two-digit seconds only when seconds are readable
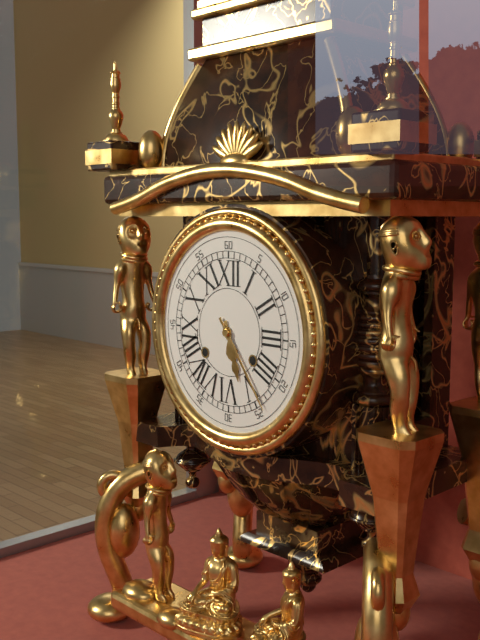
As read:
5.24
